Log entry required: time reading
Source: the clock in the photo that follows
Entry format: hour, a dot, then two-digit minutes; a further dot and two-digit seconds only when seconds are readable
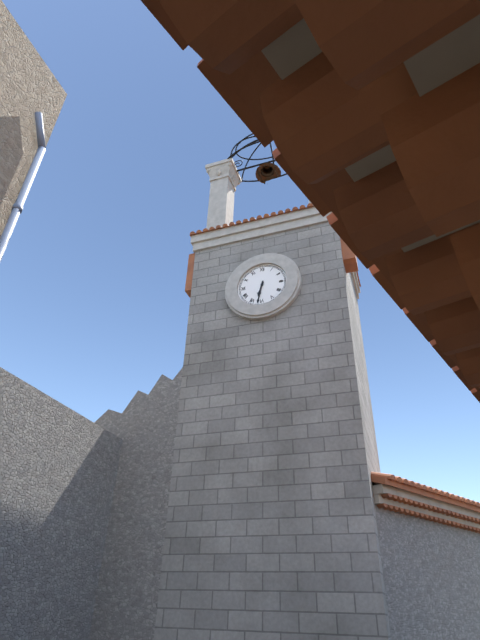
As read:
6.32
